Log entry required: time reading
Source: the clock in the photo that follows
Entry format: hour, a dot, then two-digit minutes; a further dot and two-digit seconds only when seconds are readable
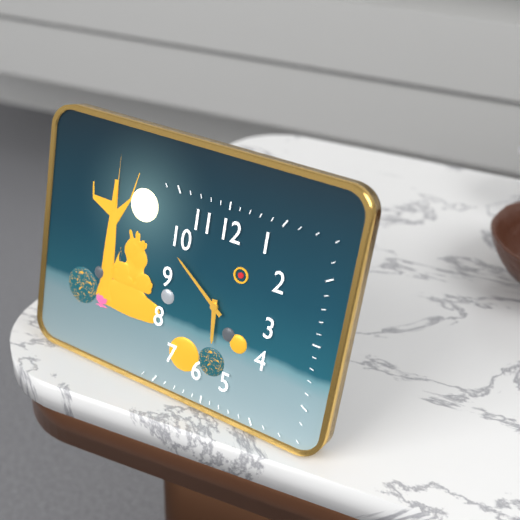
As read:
5.51
